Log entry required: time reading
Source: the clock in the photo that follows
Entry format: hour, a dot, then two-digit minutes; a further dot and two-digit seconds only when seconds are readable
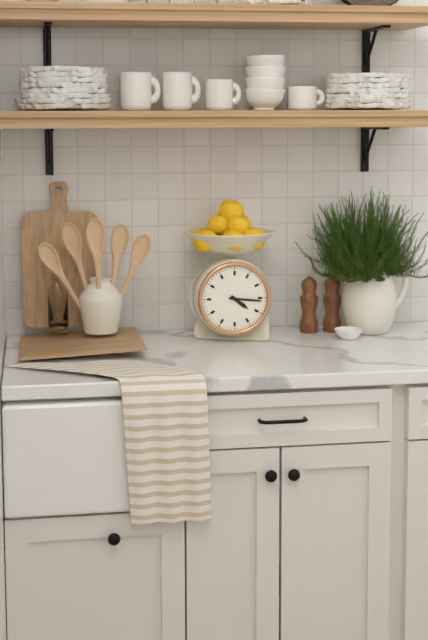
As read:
4.16
